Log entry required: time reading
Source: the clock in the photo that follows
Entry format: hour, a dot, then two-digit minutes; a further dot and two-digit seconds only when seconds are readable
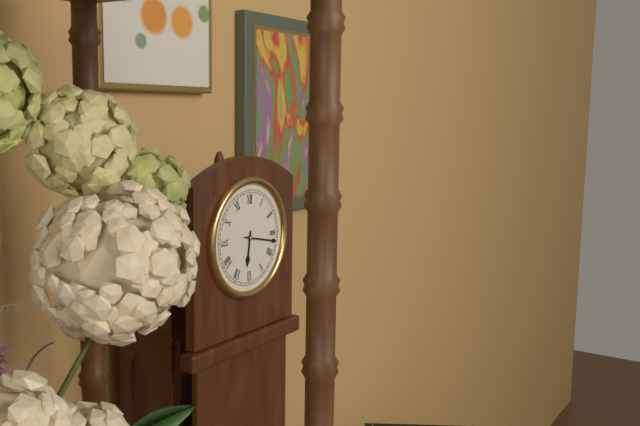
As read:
6.17
